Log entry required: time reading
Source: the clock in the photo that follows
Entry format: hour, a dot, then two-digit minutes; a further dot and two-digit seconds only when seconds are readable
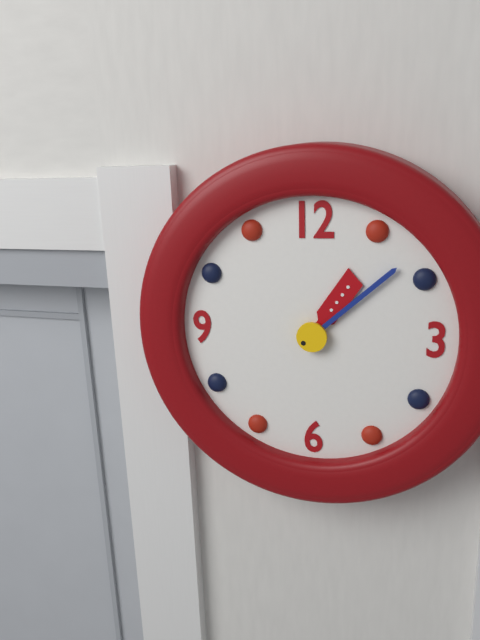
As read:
1.08
